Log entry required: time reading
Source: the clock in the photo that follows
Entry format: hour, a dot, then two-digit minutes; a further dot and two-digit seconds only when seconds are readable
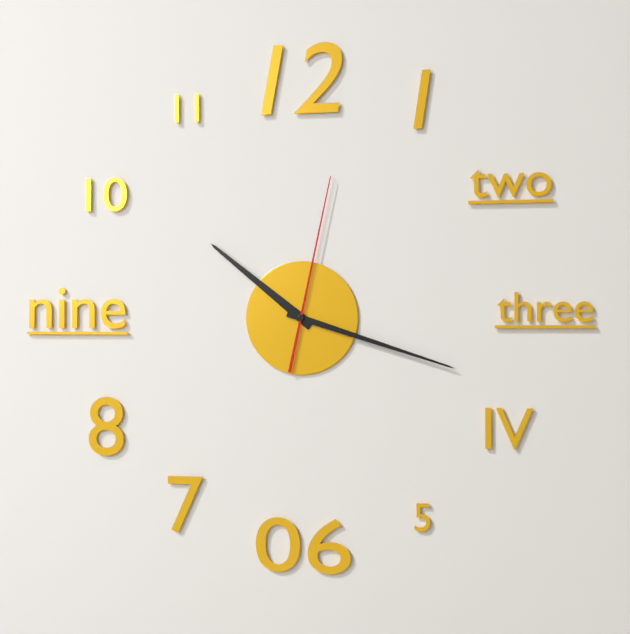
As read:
10.18.02
